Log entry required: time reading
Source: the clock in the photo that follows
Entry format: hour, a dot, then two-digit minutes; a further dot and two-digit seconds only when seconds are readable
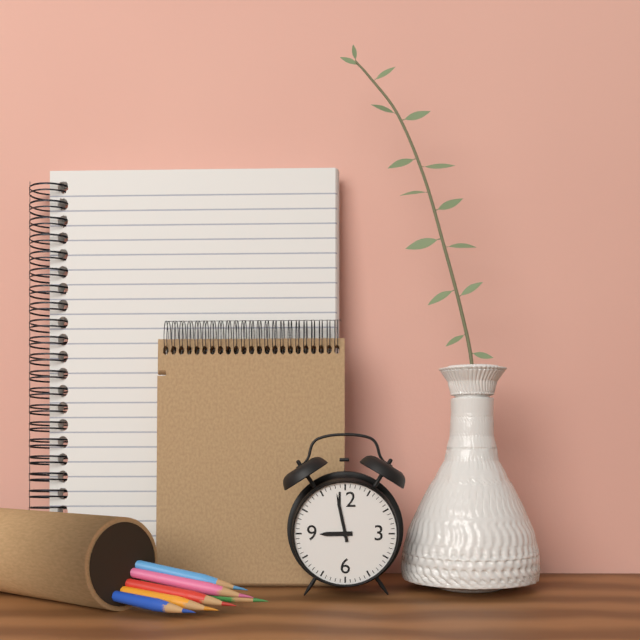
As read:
8.58
